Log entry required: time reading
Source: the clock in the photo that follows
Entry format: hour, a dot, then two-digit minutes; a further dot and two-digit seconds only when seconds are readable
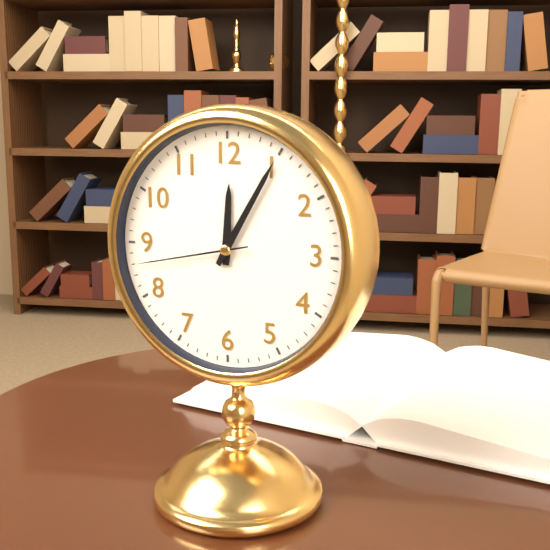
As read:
12.05.43
